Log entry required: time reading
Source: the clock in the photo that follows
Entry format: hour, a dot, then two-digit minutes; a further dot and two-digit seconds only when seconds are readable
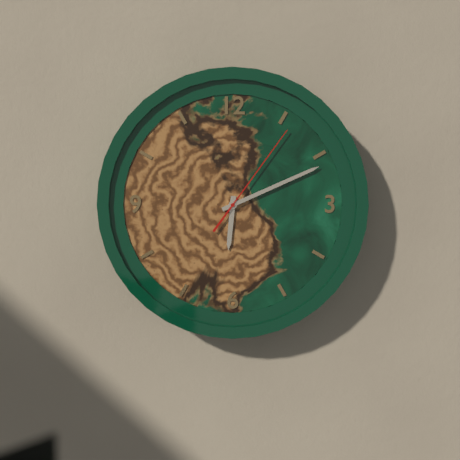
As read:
6.11.06
